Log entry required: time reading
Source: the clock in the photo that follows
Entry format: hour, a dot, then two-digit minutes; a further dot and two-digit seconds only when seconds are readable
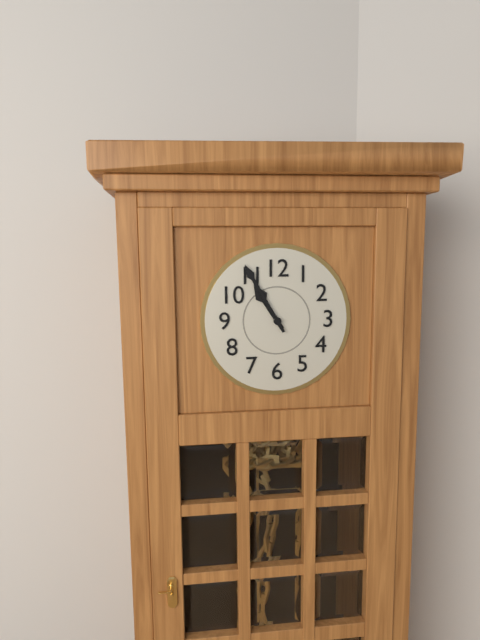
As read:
10.55
